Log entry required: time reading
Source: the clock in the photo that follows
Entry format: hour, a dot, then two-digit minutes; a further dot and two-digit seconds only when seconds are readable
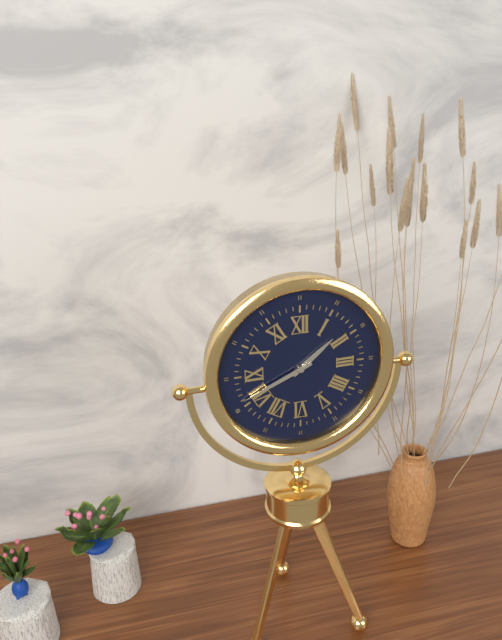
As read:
1.41
